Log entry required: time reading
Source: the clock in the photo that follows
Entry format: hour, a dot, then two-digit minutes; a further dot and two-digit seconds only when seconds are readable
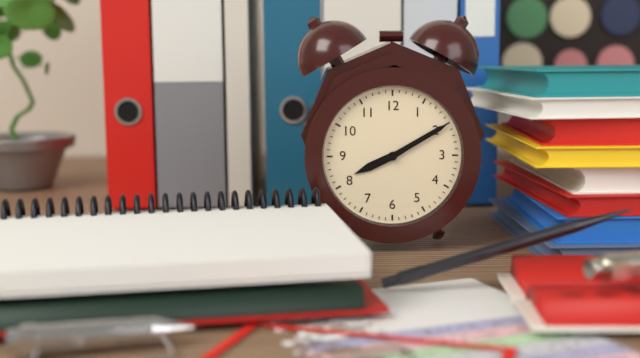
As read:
8.10
